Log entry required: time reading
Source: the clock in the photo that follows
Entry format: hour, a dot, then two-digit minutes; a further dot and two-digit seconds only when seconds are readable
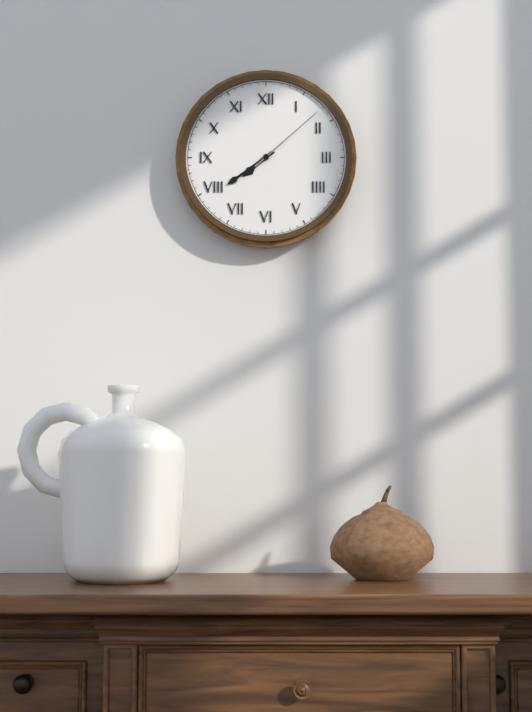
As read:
7.39.08
